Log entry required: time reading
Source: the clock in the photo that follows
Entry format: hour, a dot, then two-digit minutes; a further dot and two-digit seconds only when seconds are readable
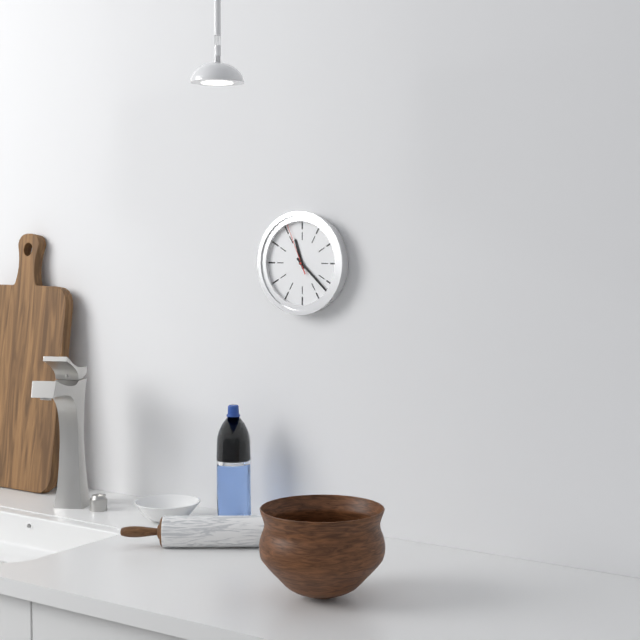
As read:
11.22.56
